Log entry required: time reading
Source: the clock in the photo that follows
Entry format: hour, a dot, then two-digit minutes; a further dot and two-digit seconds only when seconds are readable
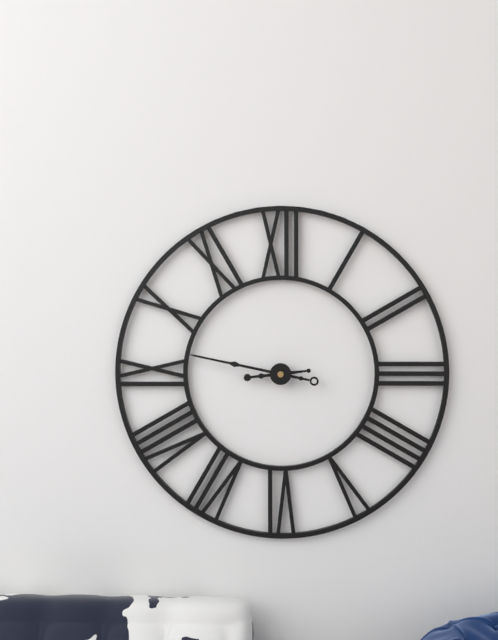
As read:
8.47
